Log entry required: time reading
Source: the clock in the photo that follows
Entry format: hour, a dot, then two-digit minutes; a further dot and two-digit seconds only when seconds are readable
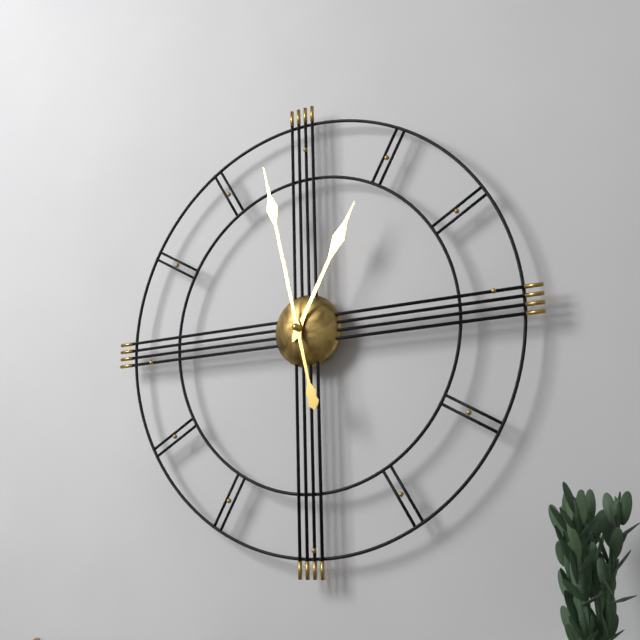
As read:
12.58
